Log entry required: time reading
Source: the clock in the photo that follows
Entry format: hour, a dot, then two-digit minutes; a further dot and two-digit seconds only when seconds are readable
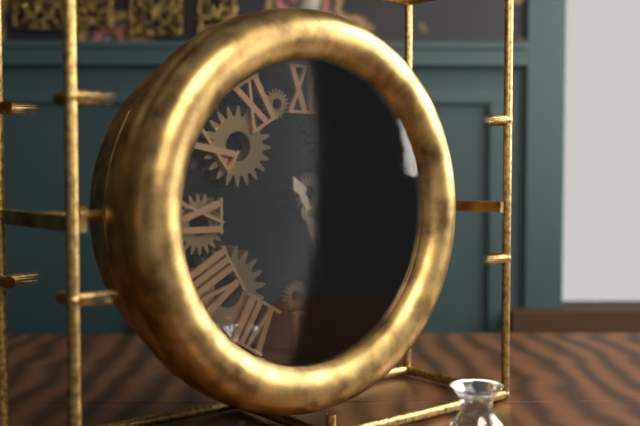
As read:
5.25
